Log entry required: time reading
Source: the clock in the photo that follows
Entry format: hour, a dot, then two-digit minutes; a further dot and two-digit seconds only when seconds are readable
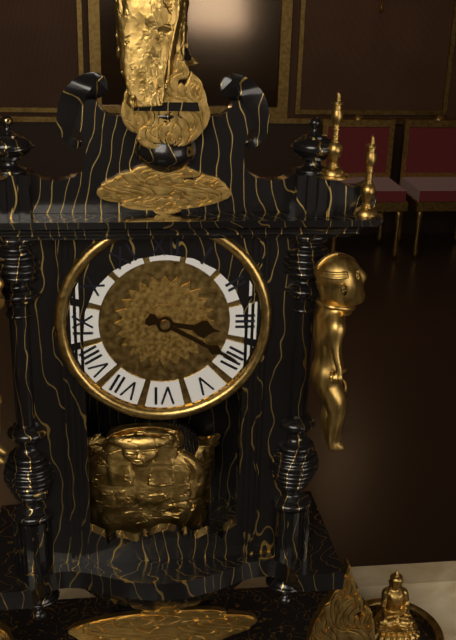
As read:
3.20
